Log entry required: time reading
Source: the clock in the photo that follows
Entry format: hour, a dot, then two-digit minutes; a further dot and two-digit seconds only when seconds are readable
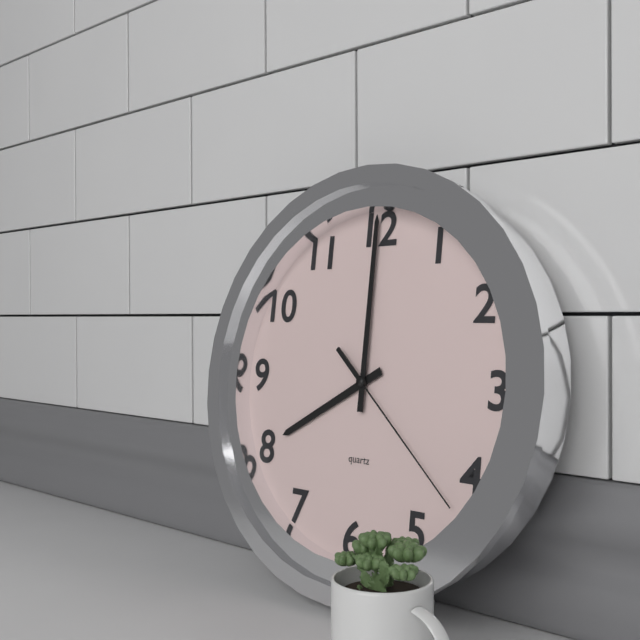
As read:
8.00.22
